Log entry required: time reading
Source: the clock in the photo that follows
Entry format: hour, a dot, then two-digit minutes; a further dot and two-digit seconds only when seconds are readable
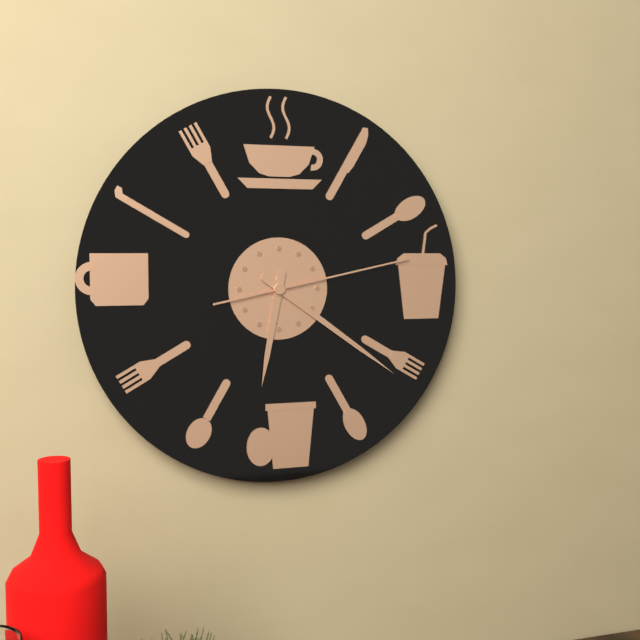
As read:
6.21.13
